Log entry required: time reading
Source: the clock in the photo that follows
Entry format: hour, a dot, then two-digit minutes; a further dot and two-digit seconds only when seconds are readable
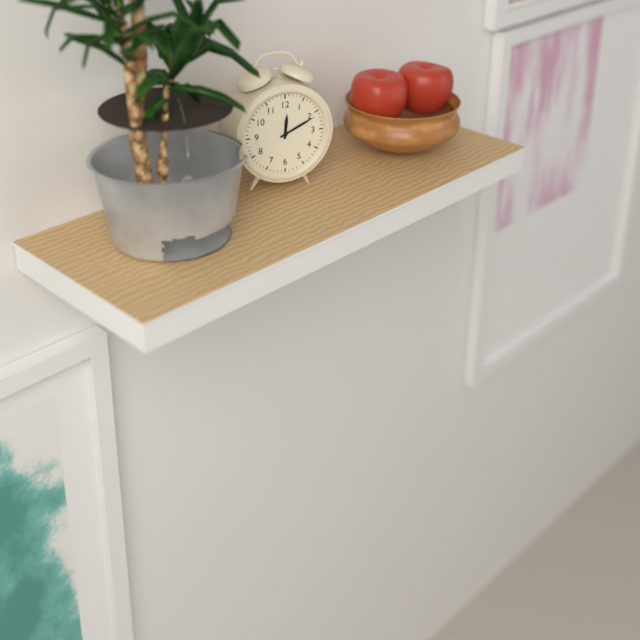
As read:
12.11
